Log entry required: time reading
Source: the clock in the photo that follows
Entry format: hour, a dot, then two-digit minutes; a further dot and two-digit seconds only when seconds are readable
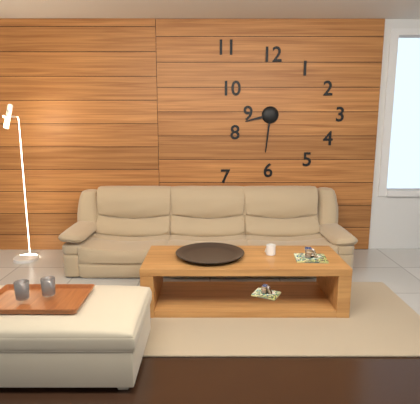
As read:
8.31
